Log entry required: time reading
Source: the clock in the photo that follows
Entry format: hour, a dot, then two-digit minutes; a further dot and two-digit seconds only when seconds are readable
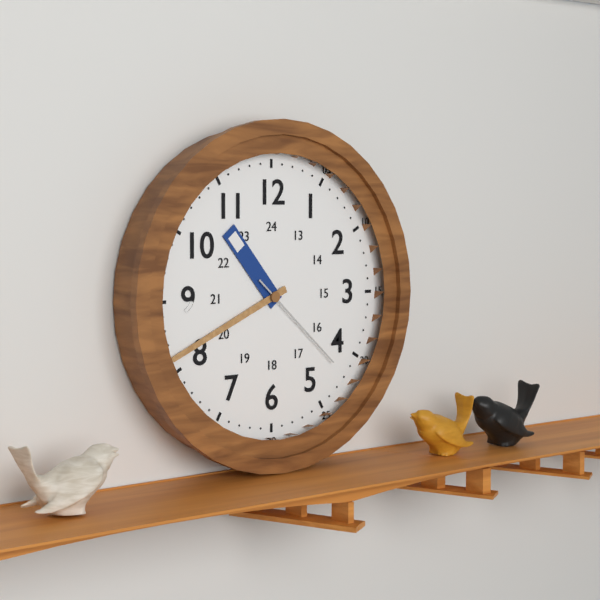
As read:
10.41.22
